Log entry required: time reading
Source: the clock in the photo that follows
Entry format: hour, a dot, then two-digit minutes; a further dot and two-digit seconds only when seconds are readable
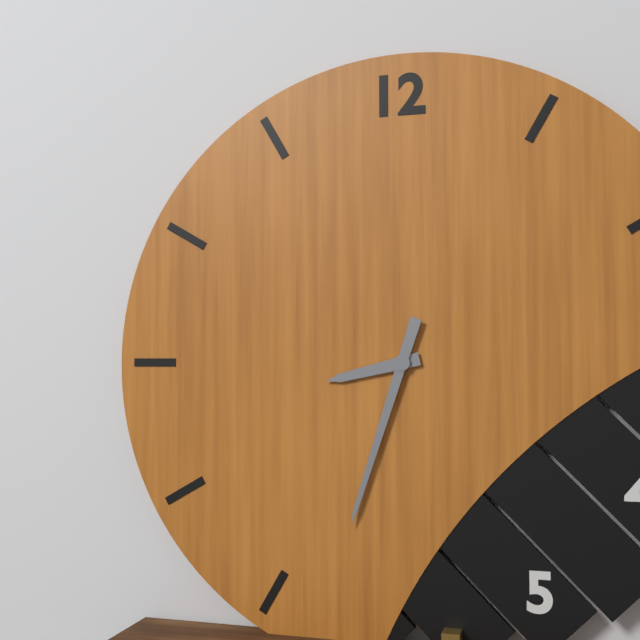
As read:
8.33
